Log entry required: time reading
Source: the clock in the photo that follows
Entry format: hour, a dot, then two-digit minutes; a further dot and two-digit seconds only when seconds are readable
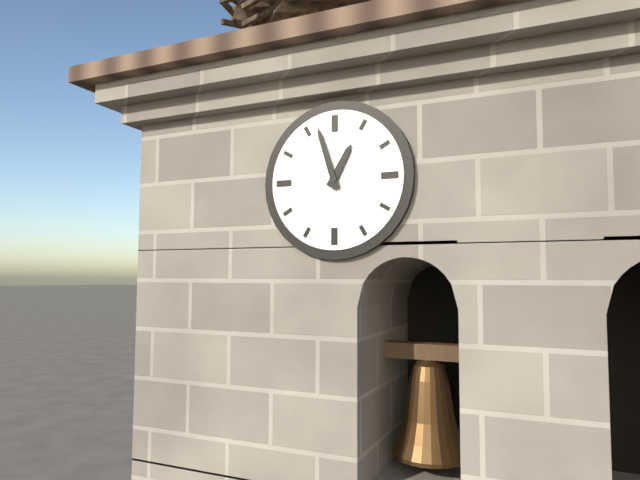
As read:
12.57
